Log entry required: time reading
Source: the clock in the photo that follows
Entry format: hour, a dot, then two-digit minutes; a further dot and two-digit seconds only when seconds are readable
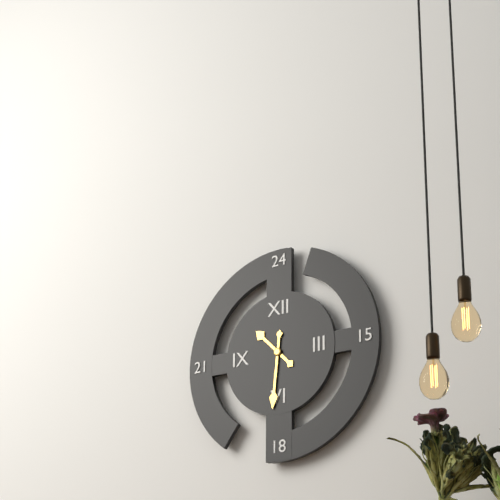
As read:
10.31
